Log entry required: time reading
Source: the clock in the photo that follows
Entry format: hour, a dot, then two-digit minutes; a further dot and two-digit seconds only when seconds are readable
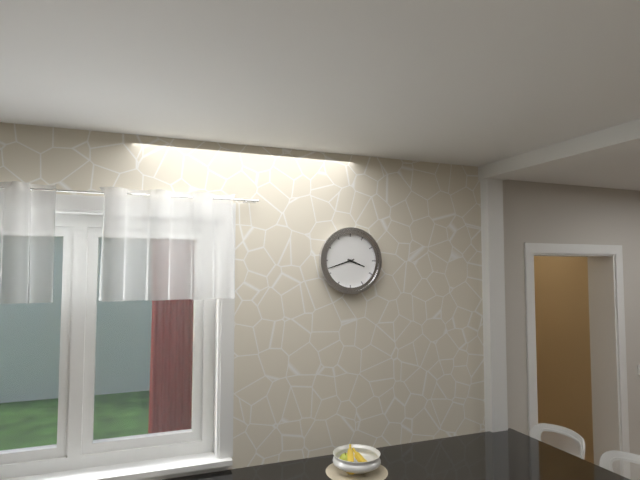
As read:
3.42
